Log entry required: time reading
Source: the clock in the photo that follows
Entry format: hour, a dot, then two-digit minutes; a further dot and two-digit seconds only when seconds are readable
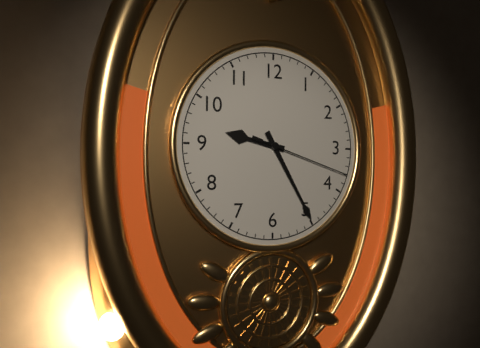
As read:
9.25.18
